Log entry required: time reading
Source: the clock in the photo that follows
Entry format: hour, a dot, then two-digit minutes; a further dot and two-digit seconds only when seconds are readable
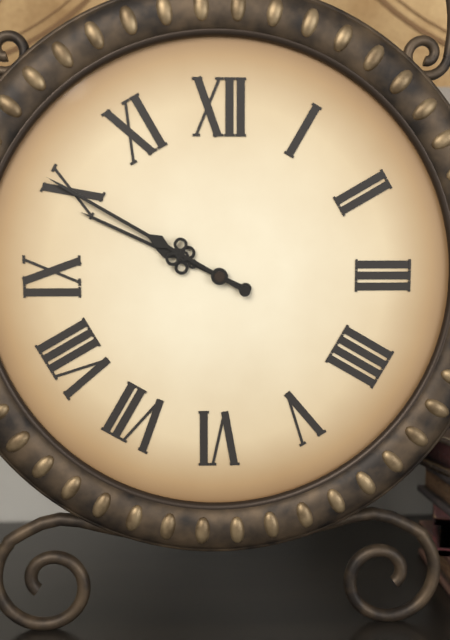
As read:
9.50
